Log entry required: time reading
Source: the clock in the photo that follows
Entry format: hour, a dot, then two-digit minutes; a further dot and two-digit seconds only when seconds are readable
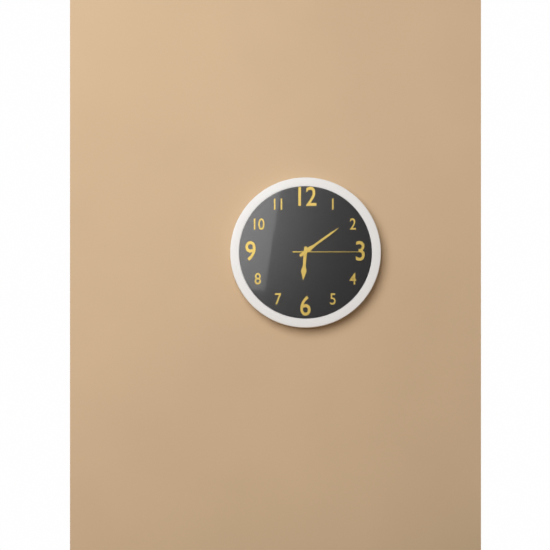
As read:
6.09.15
